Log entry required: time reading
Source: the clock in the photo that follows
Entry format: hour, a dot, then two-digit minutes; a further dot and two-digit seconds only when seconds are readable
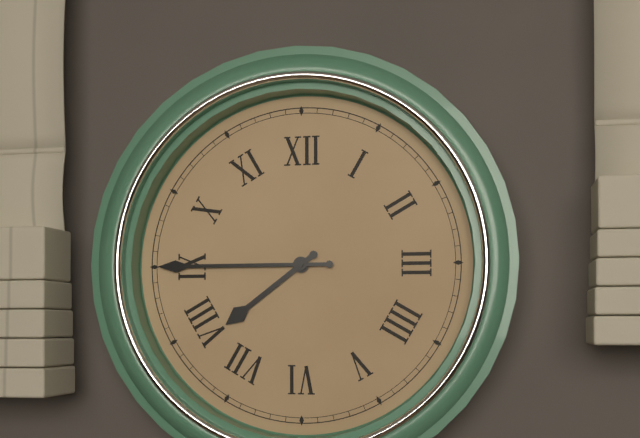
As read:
7.45
